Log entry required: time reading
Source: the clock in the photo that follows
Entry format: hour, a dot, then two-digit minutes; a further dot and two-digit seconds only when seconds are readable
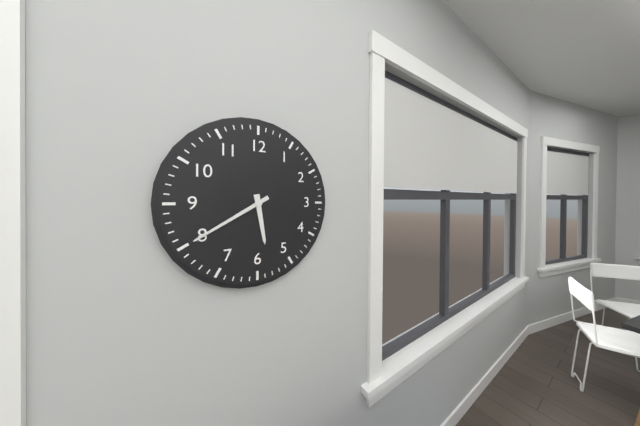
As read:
5.40
